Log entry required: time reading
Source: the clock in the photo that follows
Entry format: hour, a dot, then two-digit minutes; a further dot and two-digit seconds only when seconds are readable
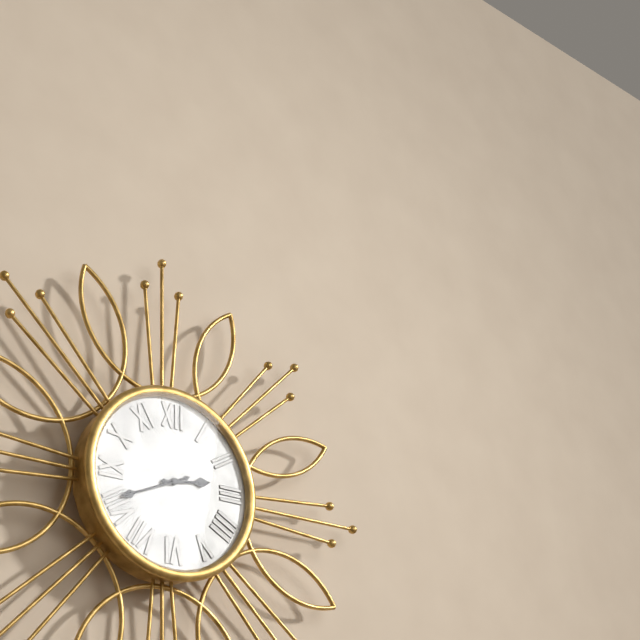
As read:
2.41
